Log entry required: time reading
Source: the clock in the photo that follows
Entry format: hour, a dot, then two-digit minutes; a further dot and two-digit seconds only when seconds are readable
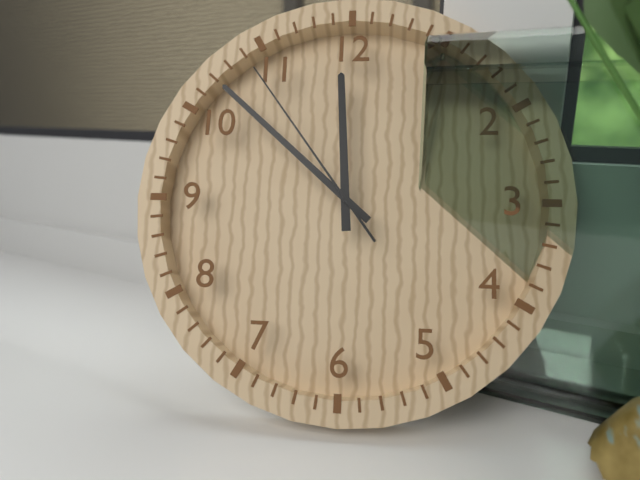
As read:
11.52.54
